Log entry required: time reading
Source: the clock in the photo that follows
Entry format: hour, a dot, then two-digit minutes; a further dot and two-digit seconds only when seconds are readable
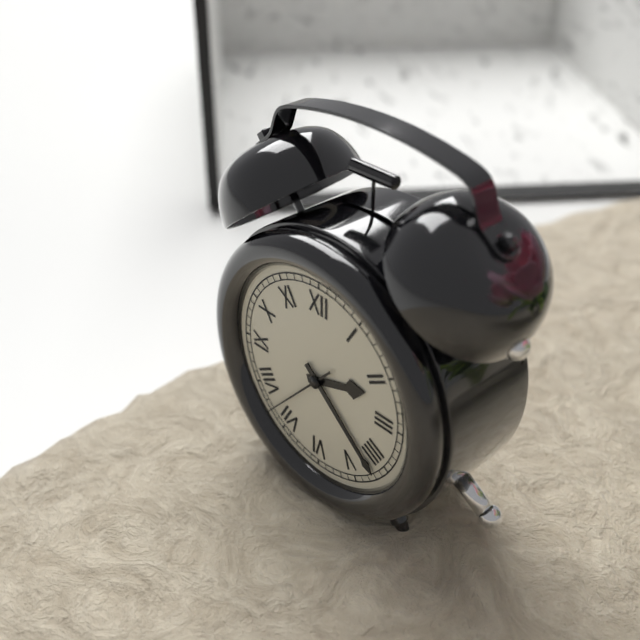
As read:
2.22.37
